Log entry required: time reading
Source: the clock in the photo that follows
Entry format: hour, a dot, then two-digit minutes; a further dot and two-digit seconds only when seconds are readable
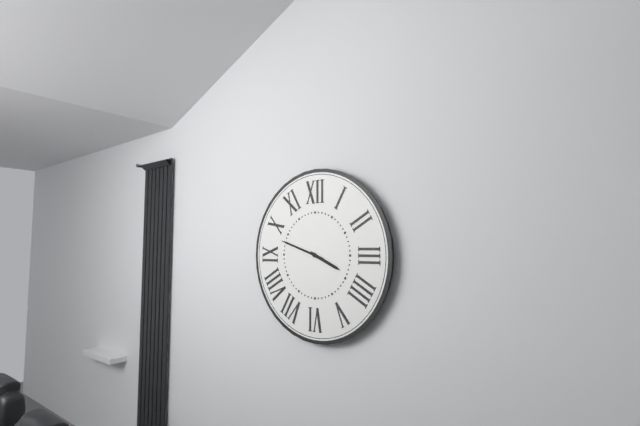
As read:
3.48
